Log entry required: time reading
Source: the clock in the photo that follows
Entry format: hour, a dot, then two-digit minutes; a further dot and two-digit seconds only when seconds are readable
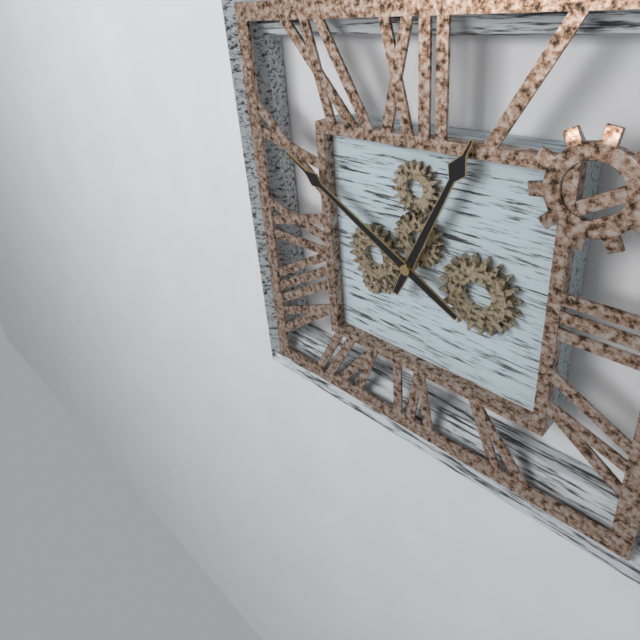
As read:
12.50
